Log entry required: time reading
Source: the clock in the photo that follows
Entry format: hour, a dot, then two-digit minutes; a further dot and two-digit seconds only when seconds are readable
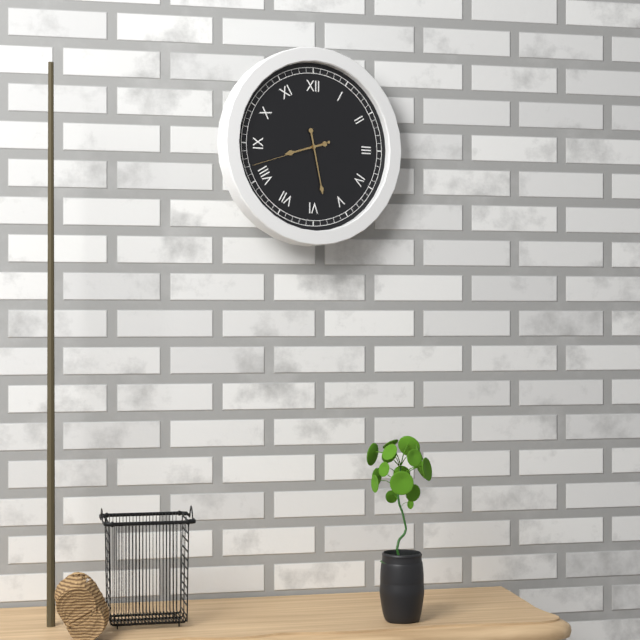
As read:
8.28.42
